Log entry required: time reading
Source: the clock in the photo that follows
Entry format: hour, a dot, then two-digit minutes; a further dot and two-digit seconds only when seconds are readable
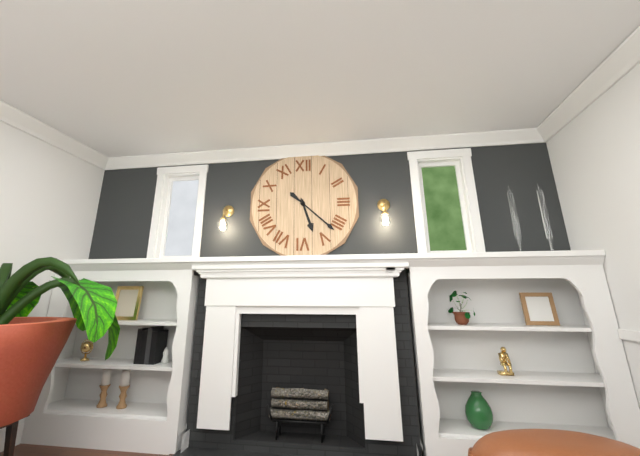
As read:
5.22
